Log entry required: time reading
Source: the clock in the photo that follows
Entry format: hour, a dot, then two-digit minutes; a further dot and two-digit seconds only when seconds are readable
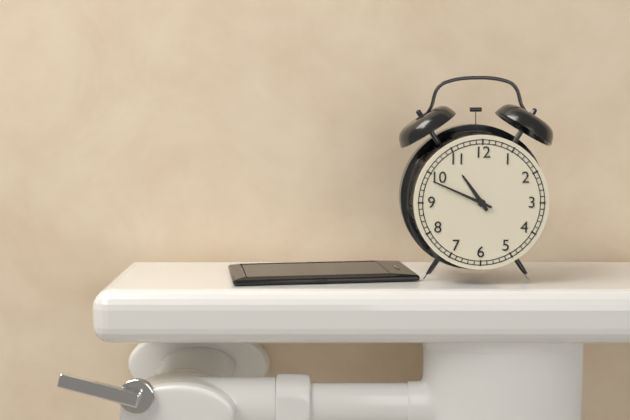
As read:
10.49
